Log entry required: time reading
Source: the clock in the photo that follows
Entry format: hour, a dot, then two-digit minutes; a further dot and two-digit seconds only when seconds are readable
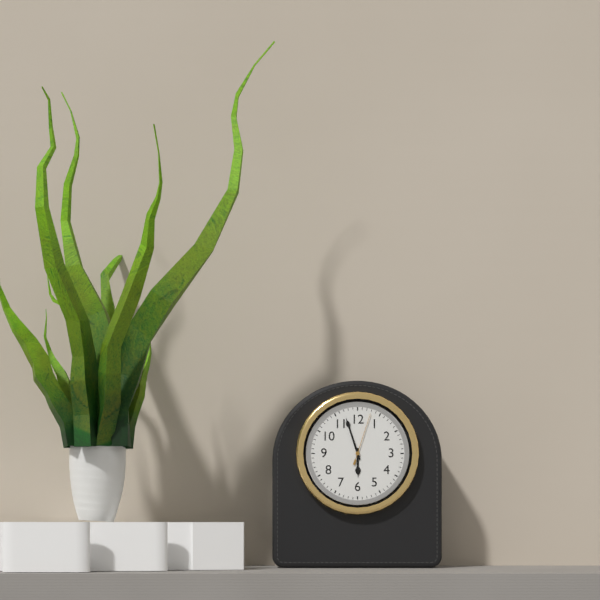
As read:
5.57.03
